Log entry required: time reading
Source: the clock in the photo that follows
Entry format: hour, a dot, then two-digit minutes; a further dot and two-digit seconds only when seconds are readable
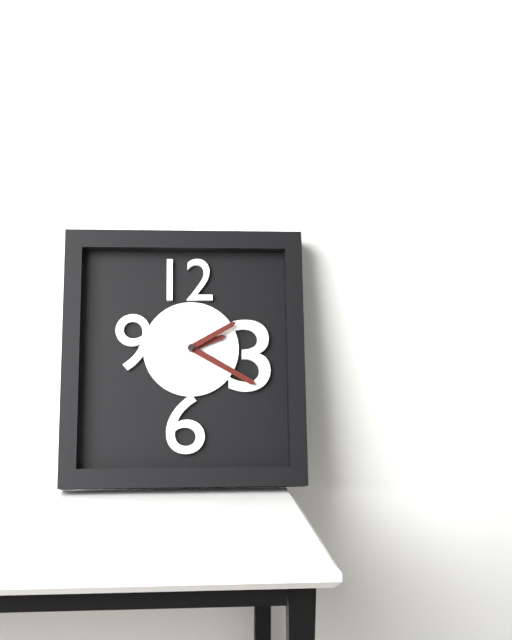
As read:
2.20.10
